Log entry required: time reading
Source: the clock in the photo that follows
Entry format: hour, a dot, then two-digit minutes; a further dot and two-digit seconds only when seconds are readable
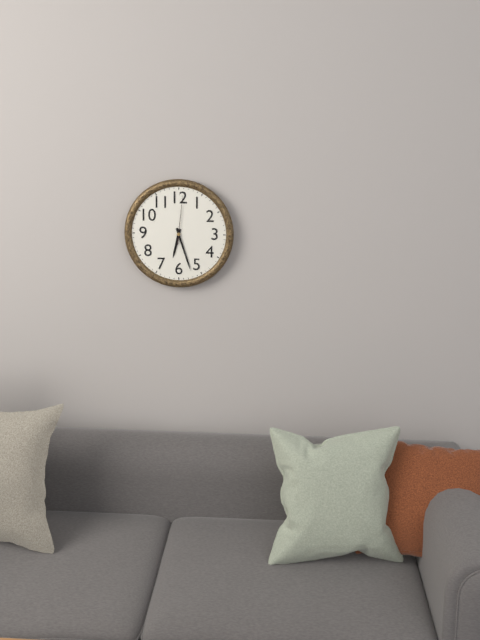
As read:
6.27.01
